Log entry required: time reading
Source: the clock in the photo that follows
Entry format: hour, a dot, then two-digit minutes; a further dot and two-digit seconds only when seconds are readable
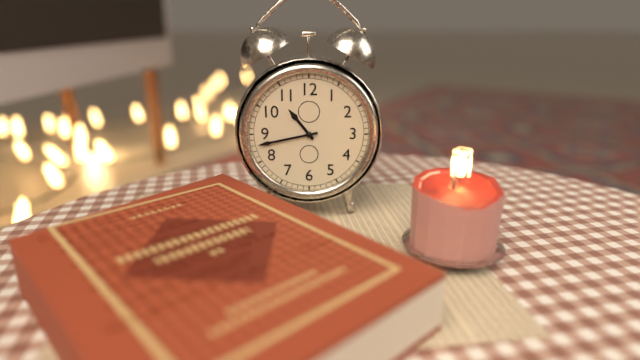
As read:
10.43
